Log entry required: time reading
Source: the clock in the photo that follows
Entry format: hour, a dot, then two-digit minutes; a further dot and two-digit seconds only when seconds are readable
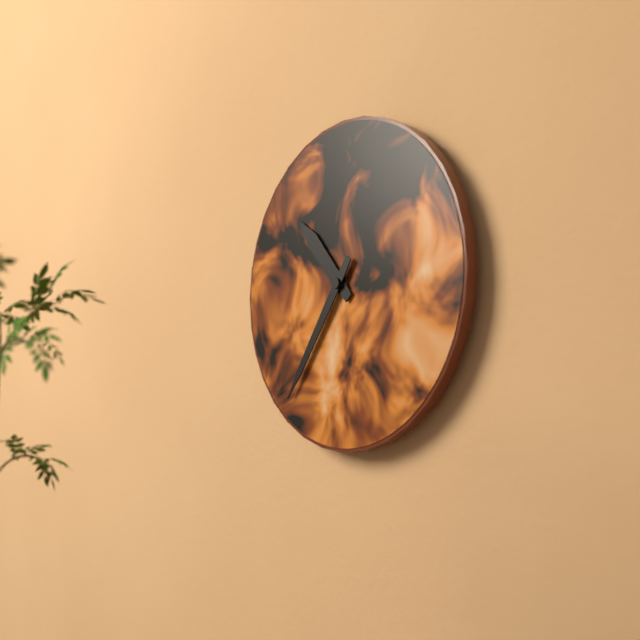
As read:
10.36
